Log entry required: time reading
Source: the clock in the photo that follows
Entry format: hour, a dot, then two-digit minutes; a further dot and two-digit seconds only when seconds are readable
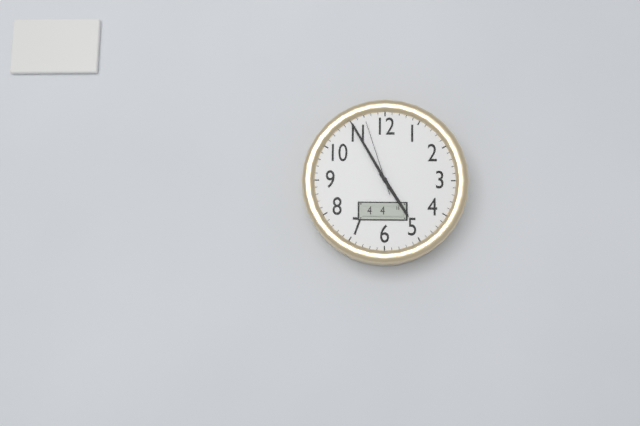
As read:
4.55.57
